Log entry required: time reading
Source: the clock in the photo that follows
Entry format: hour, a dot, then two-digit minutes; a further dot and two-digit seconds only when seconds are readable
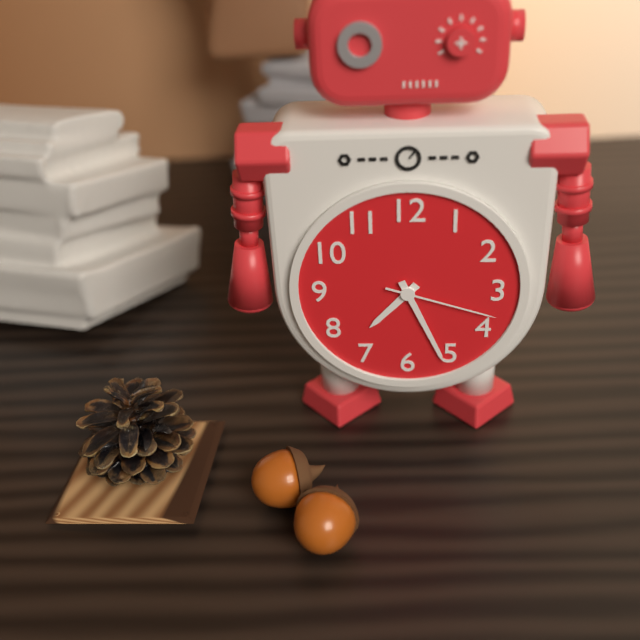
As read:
7.26.18
